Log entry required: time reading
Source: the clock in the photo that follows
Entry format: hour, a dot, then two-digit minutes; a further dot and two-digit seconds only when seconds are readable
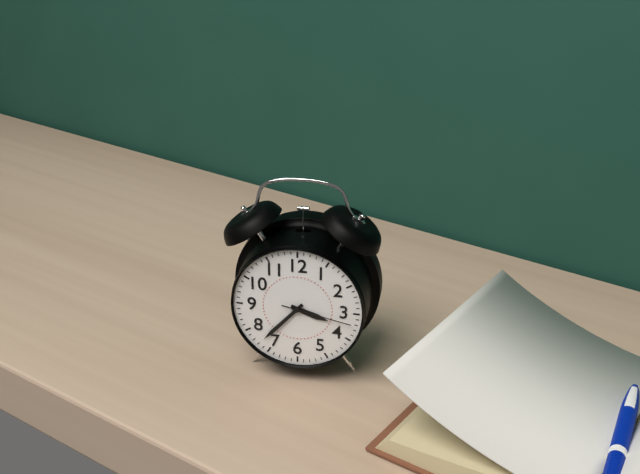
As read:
3.37.17
